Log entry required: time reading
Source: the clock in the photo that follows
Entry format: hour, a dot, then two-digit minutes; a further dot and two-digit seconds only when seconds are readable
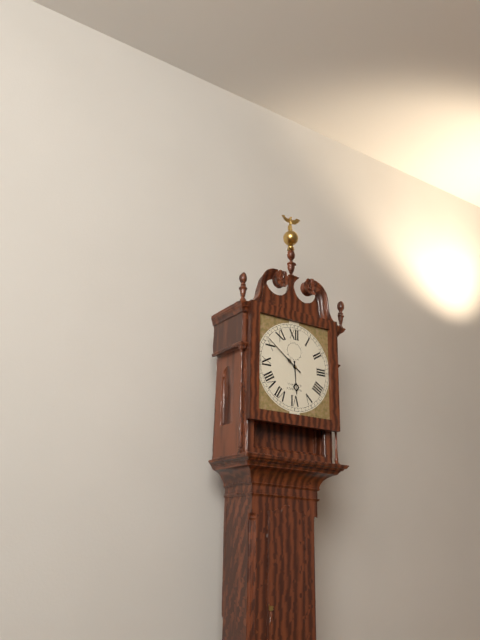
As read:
5.51
